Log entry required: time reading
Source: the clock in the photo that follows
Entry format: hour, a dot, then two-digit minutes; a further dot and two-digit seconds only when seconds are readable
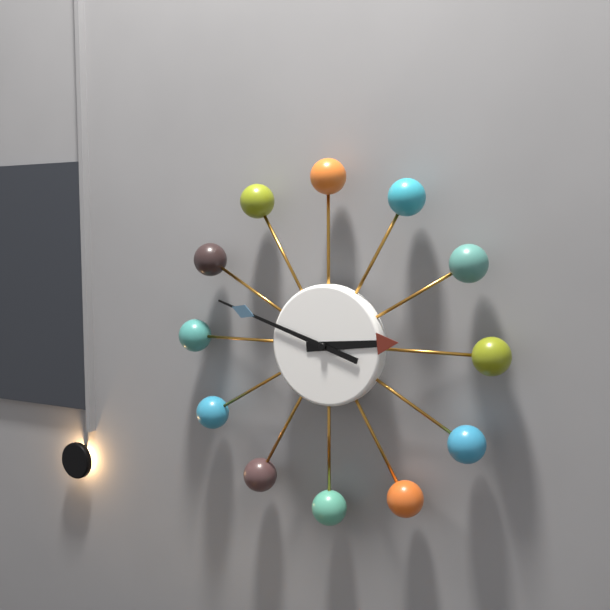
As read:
2.48
